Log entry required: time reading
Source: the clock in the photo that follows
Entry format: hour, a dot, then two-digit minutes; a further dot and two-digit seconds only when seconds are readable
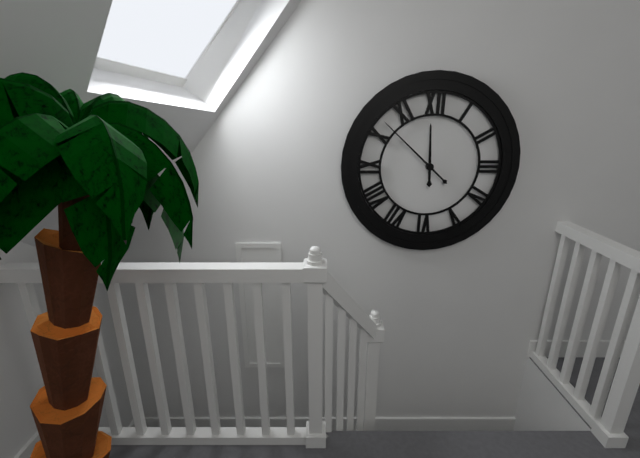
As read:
11.52
